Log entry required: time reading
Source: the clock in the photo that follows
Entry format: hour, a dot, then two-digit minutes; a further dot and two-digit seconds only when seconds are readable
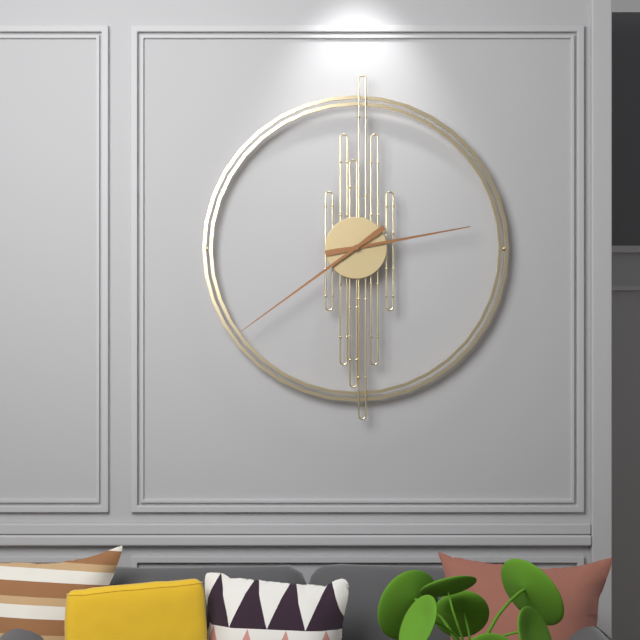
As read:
2.39
